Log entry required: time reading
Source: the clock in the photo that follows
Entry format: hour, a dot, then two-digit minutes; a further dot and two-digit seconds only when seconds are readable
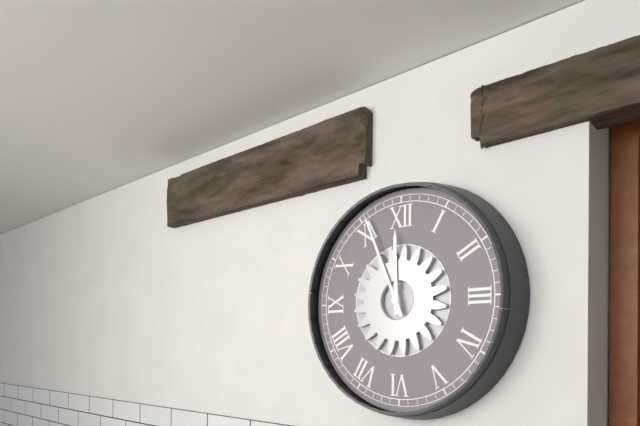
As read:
11.56
